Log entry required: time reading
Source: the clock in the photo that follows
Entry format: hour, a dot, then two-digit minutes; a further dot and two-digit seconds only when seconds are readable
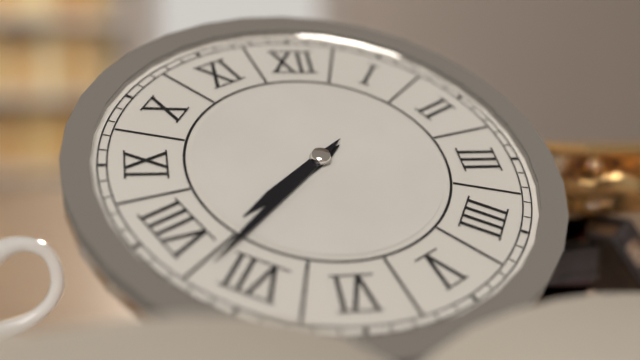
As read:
7.37
